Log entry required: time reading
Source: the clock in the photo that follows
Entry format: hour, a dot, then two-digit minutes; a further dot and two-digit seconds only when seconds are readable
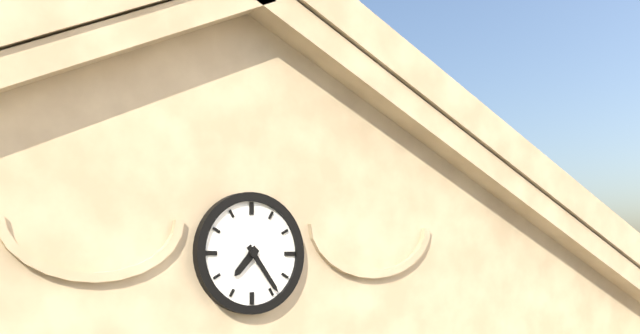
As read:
7.24
